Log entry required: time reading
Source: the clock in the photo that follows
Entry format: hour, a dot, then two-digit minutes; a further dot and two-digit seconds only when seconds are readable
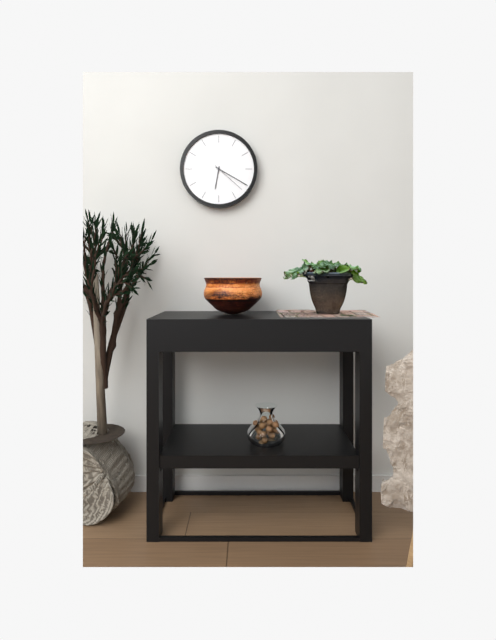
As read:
6.20
